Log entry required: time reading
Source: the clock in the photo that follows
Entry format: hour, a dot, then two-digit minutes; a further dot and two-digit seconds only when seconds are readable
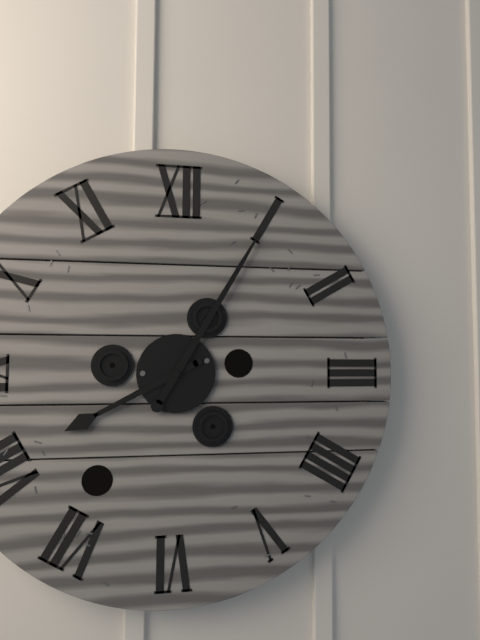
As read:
8.05
